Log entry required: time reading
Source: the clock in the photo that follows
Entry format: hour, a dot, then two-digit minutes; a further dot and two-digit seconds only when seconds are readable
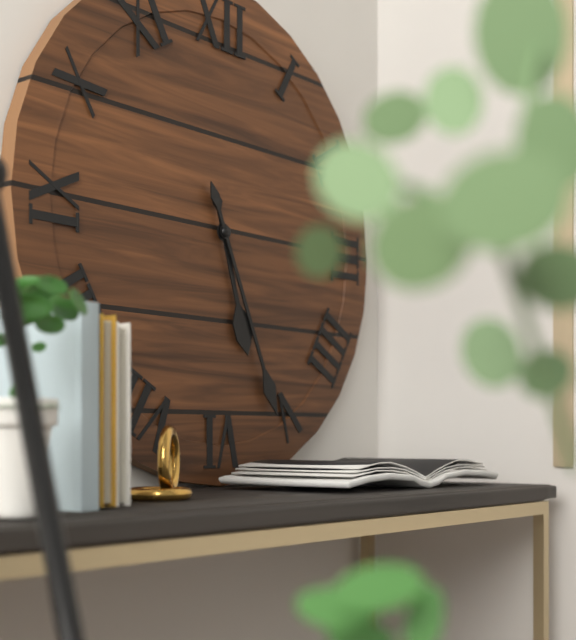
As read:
5.26
